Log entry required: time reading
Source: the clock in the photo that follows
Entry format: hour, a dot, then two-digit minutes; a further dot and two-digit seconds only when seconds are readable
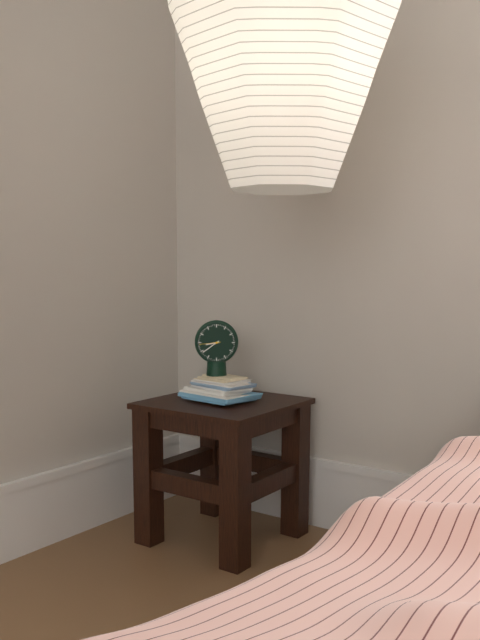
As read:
8.39
